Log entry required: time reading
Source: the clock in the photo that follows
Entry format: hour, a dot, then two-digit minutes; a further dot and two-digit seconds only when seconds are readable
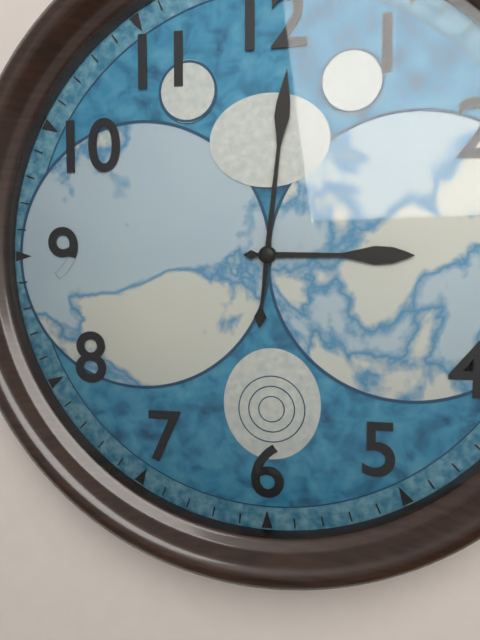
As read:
3.01
